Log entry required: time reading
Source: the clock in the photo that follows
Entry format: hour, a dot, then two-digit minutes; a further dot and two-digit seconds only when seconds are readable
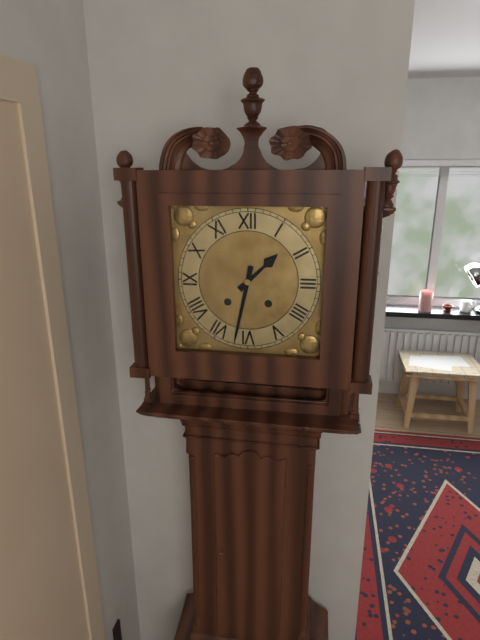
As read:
1.32
